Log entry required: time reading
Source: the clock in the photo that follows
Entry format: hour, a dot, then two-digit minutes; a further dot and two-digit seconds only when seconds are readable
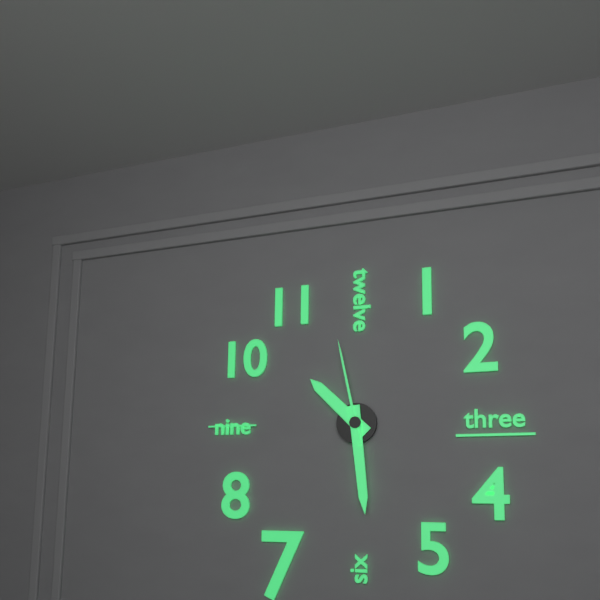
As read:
10.29.58
